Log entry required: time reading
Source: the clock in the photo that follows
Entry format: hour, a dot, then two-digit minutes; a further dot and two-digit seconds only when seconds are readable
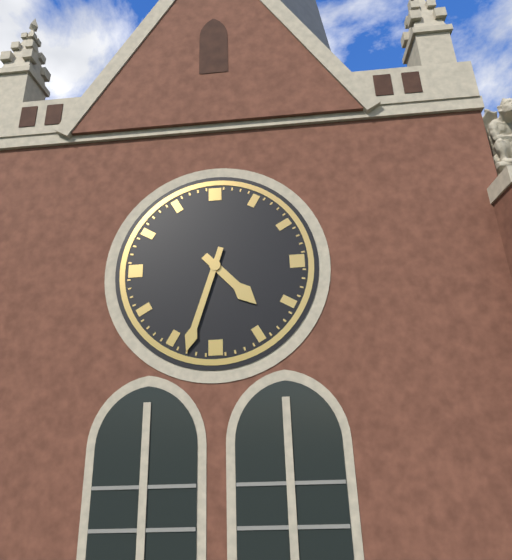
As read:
4.33
